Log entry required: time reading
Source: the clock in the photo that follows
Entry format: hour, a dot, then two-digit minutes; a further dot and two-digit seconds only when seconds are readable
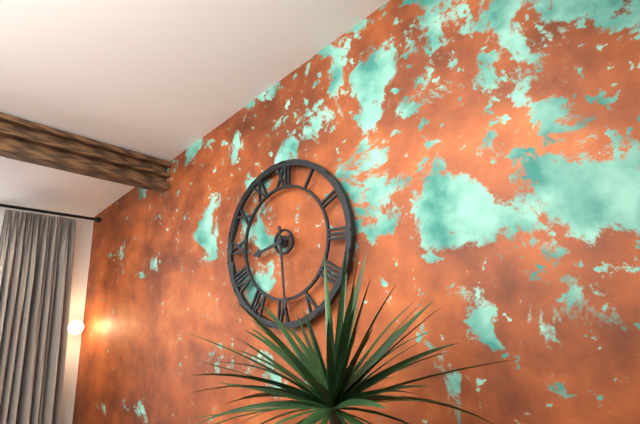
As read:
8.29
